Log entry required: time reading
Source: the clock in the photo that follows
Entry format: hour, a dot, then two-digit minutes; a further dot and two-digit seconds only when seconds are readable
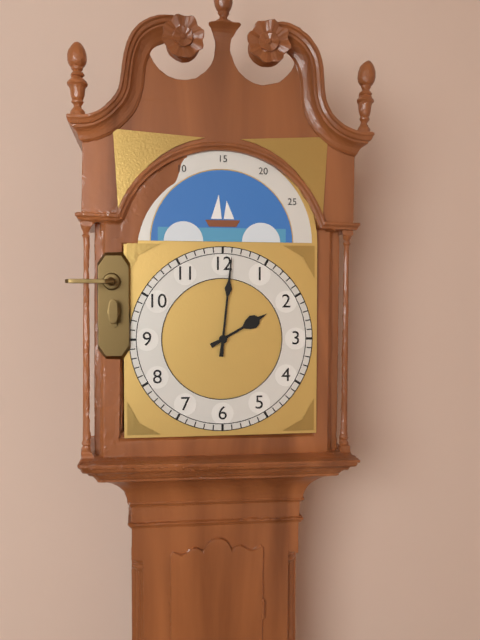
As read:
2.01
